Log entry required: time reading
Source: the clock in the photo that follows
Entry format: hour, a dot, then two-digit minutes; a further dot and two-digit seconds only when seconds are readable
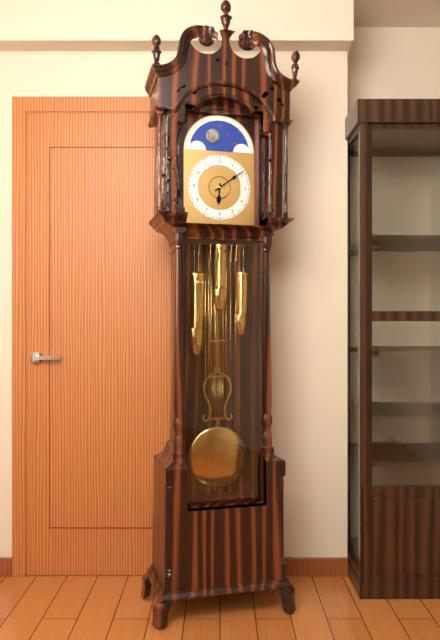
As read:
6.09
